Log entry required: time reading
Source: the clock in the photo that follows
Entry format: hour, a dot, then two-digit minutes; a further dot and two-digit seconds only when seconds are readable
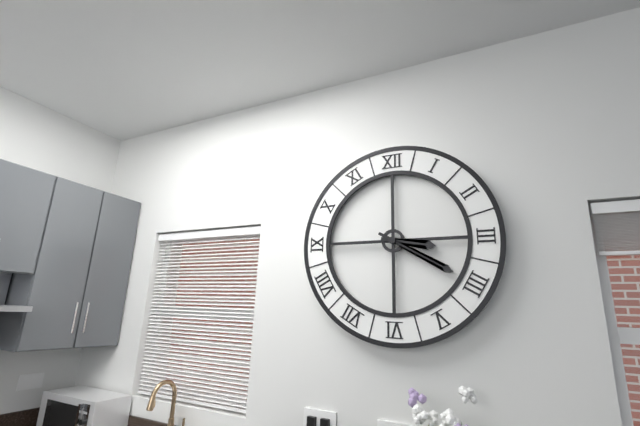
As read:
3.20
